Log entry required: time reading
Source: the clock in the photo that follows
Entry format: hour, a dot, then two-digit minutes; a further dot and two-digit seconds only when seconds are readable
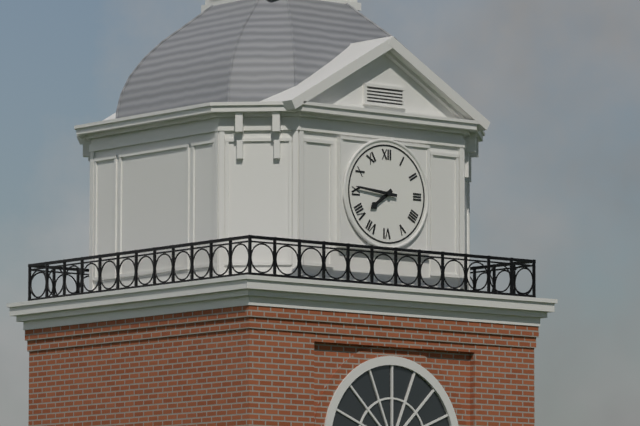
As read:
7.46
